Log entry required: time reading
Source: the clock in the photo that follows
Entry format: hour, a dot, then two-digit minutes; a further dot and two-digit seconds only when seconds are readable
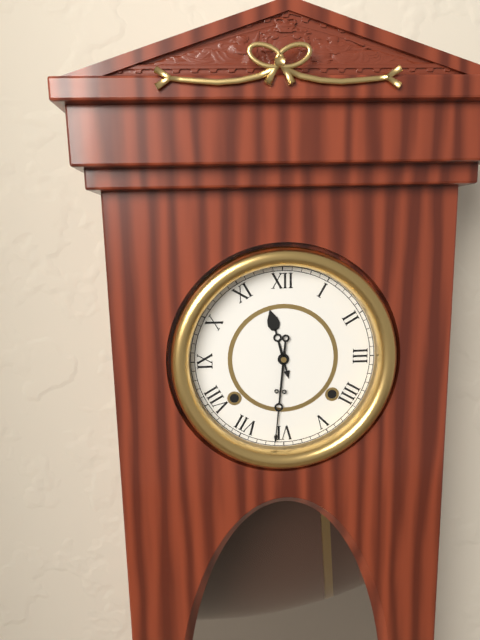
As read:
11.31
